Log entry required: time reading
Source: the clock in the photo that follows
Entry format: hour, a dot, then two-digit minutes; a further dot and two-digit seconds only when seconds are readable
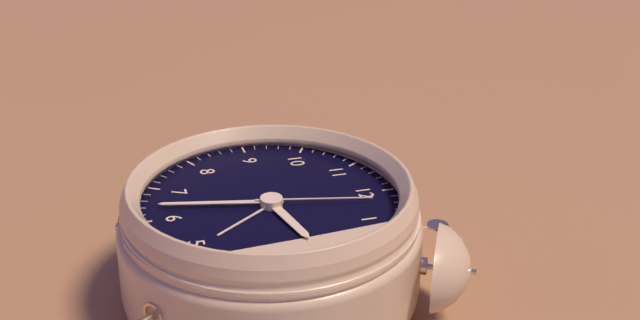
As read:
2.32.02
